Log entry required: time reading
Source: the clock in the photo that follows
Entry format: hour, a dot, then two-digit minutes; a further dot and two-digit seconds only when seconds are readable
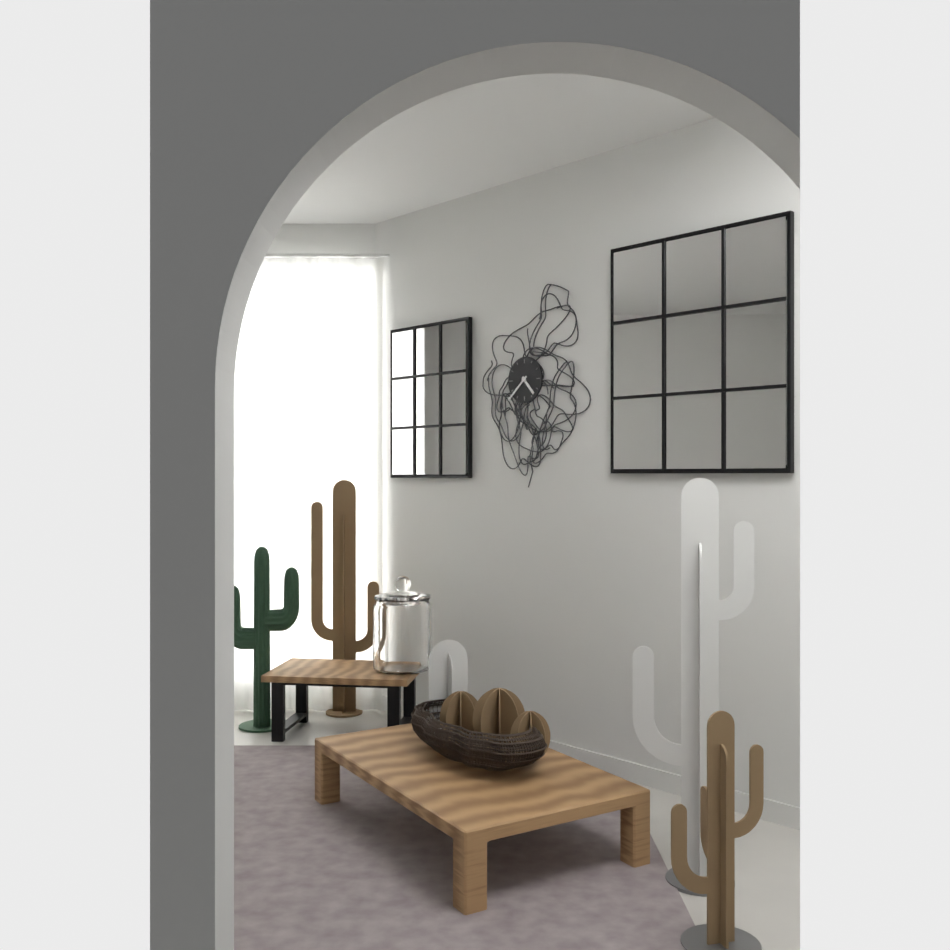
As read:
4.38
